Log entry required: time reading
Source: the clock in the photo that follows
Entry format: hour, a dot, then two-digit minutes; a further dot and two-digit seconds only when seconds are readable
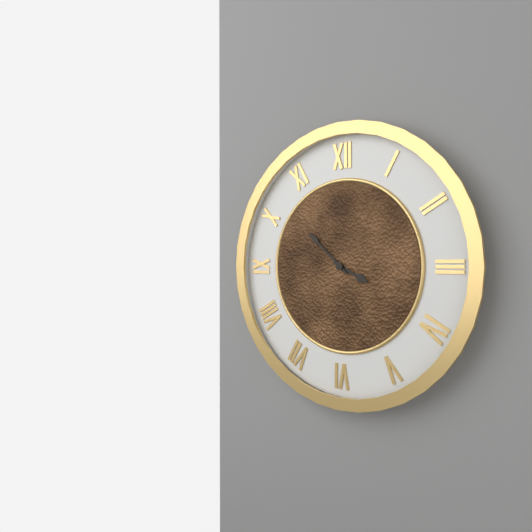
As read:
3.52
